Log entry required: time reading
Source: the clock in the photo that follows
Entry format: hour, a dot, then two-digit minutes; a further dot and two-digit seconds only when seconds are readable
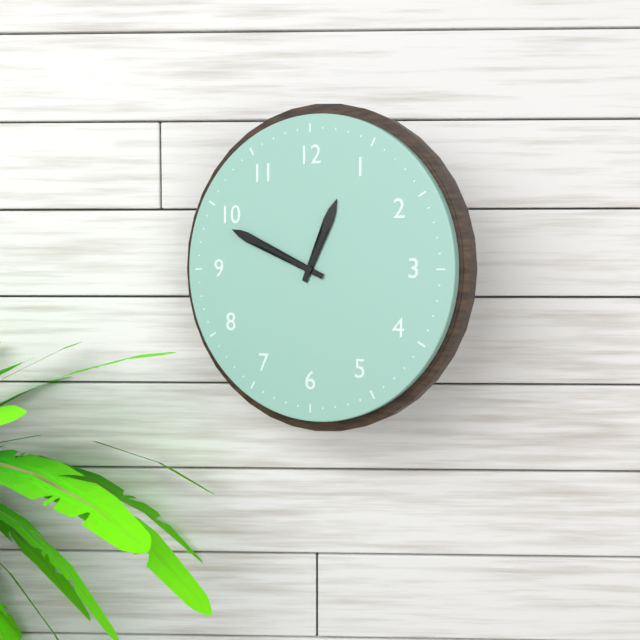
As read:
12.49
